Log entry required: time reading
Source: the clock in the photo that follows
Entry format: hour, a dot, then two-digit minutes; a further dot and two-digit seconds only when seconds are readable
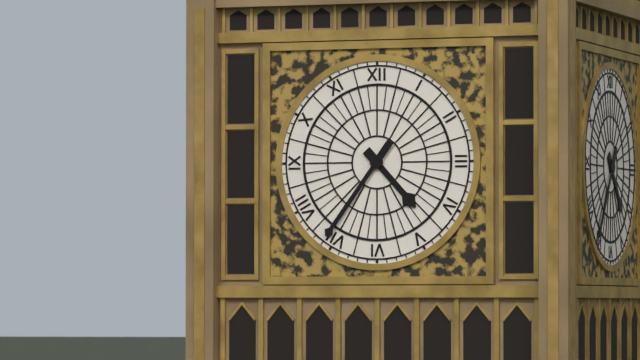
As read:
4.36
